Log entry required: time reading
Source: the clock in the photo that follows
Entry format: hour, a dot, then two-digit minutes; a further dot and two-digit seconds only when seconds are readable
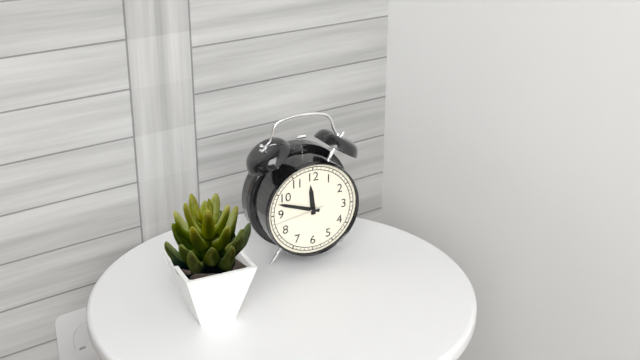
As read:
11.48.43
